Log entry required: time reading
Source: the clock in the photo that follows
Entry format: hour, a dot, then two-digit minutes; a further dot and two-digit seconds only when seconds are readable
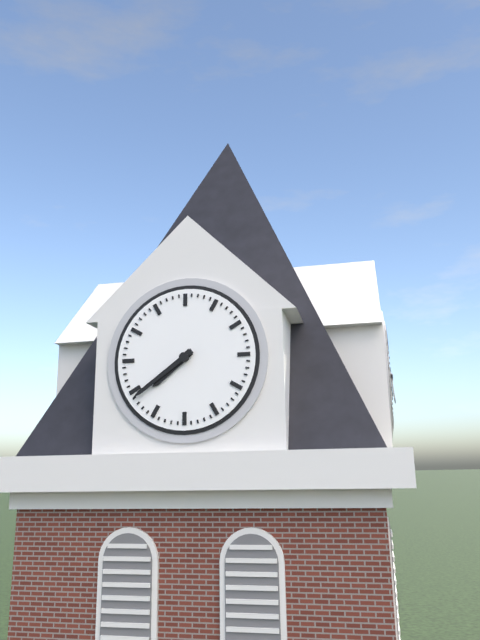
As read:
7.39
